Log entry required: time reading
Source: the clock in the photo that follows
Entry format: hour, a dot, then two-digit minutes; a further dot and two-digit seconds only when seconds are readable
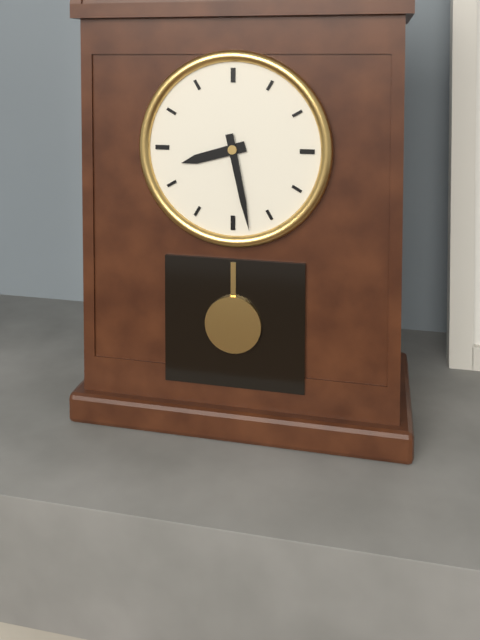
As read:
8.28
